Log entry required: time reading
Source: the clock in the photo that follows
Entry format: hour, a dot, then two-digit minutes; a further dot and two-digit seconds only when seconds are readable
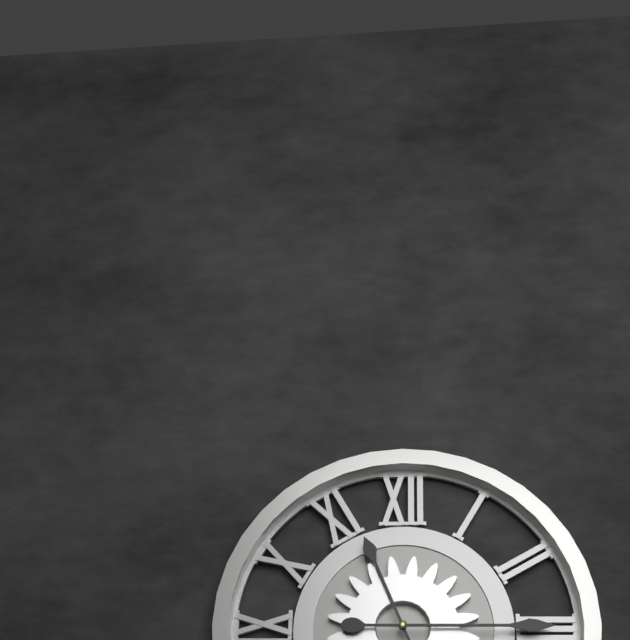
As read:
11.15
